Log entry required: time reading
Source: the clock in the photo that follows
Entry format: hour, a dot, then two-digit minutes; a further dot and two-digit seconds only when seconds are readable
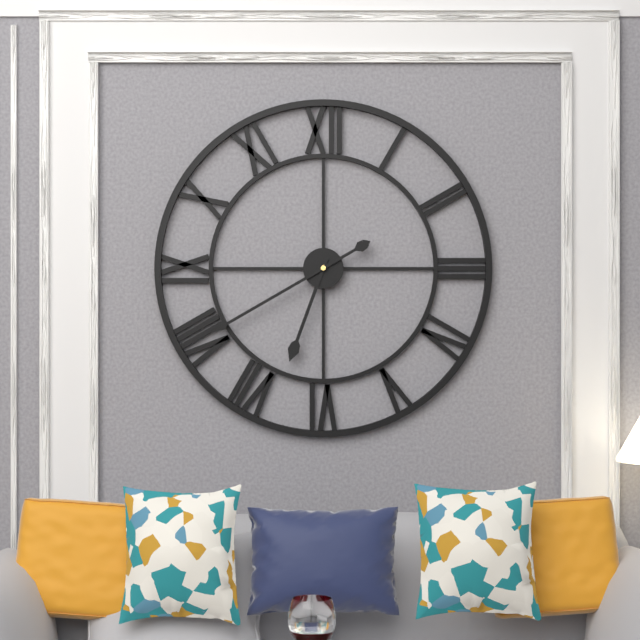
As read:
6.40
